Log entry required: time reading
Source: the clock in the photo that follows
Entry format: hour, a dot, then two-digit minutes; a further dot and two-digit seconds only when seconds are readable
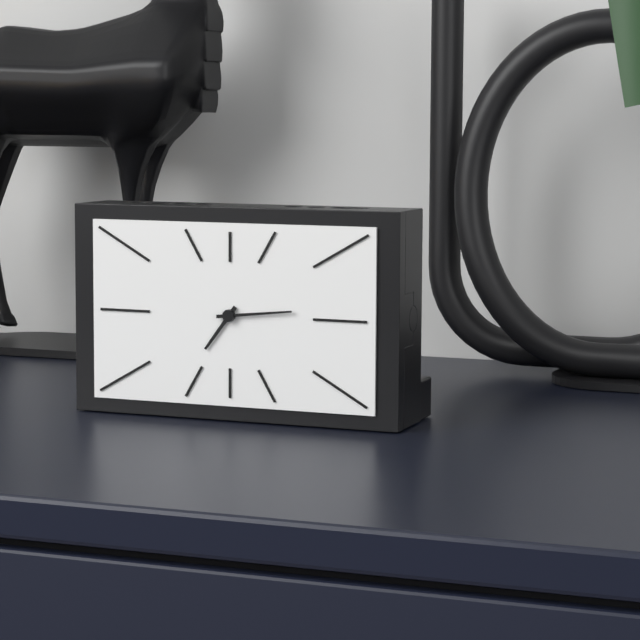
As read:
7.14
